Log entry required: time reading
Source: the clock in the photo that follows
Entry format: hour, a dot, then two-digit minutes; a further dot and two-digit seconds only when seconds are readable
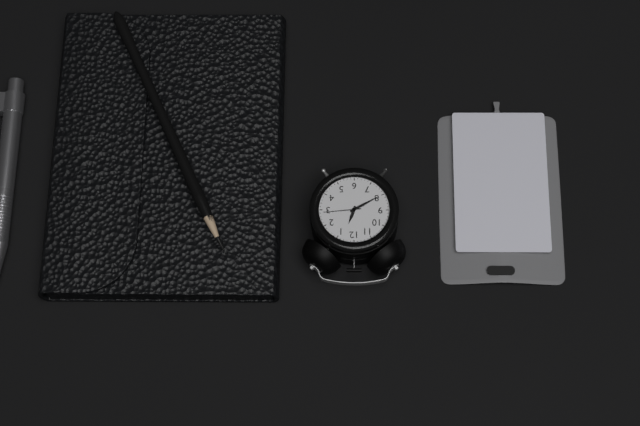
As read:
12.40
